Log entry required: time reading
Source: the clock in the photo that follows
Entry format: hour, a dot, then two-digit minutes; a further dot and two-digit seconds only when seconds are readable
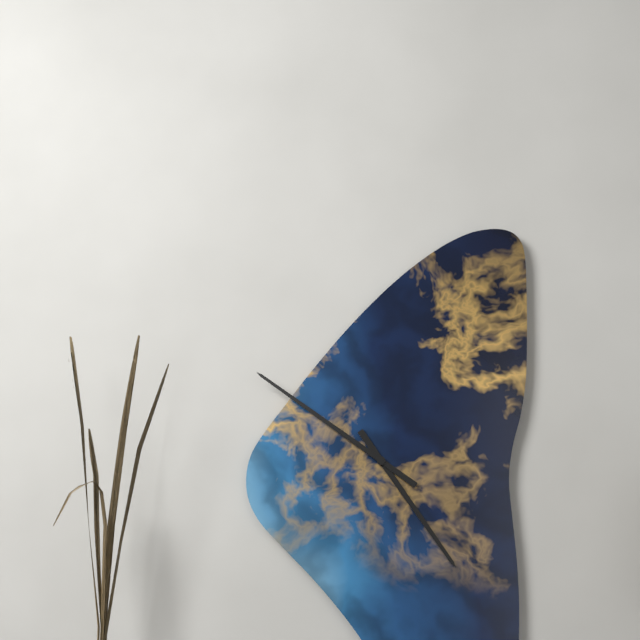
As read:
4.51
